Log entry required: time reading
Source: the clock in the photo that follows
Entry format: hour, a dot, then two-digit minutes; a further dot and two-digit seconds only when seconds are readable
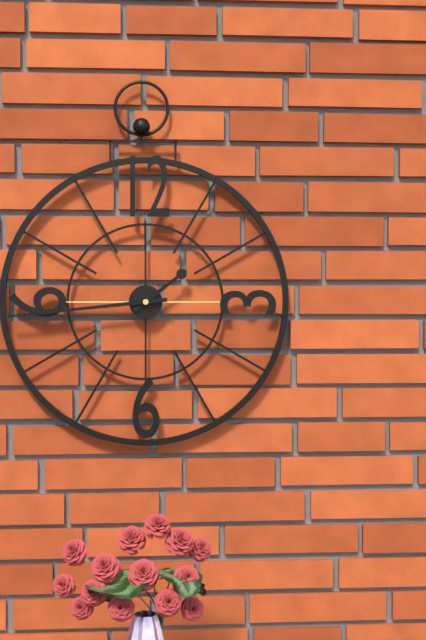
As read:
1.44
